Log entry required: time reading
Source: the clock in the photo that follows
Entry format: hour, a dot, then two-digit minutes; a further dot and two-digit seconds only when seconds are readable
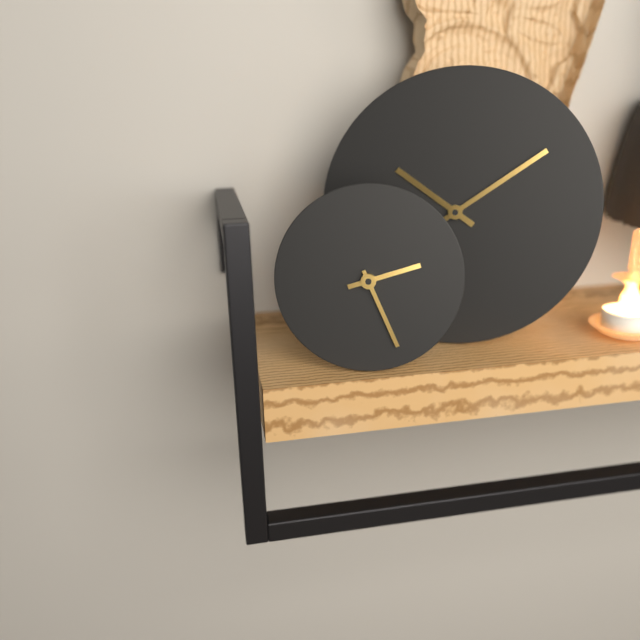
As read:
2.26
